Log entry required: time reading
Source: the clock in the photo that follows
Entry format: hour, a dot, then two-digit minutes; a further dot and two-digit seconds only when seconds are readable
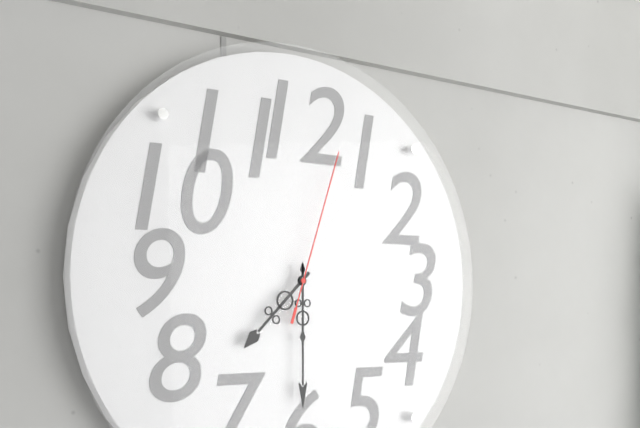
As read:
7.30.03
